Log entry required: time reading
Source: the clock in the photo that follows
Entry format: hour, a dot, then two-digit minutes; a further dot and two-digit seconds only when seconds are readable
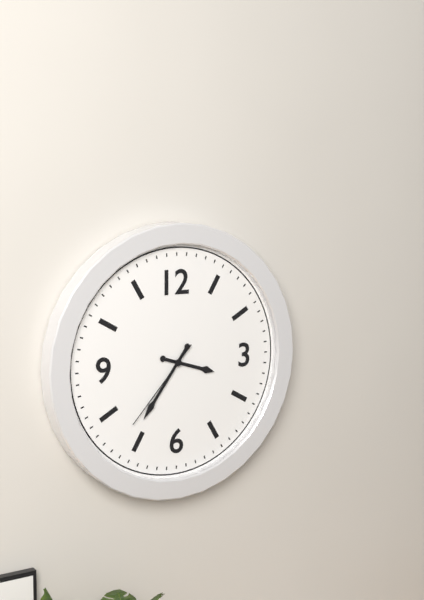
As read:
3.36.37
